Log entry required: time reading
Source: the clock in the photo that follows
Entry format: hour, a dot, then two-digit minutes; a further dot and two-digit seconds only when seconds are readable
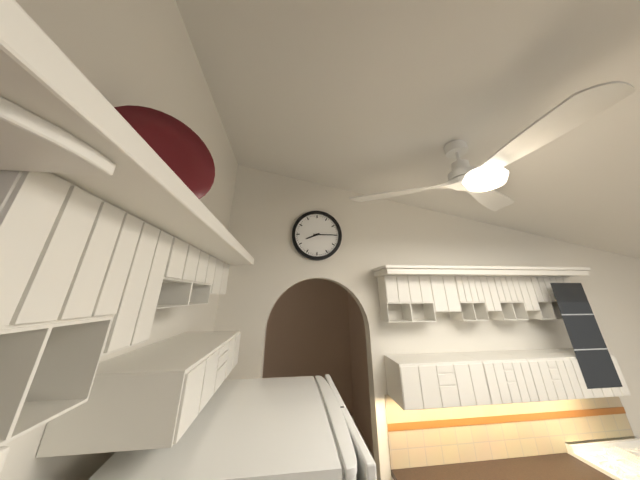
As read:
8.15
